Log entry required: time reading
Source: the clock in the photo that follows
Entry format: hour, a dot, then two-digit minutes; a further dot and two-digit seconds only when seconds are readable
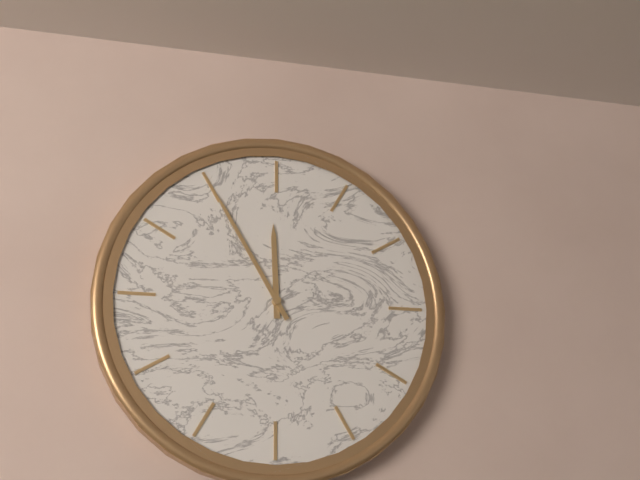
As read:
11.55
